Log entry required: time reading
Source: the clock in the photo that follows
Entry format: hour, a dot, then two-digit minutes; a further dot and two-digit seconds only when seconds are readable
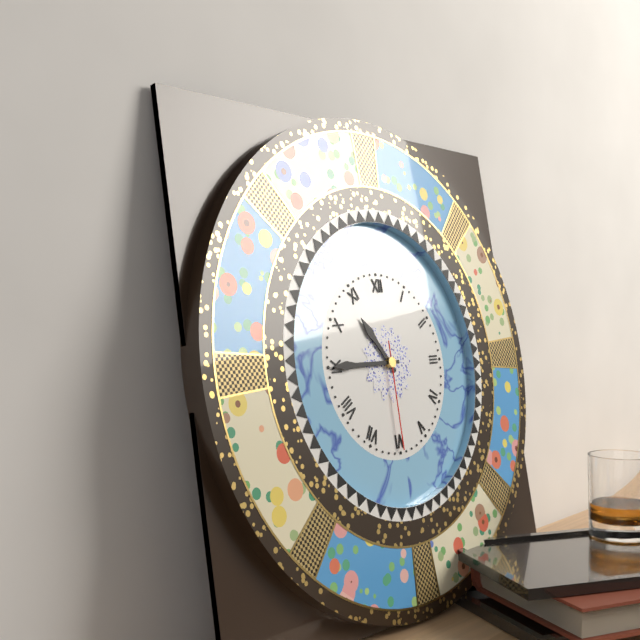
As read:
10.45.30
